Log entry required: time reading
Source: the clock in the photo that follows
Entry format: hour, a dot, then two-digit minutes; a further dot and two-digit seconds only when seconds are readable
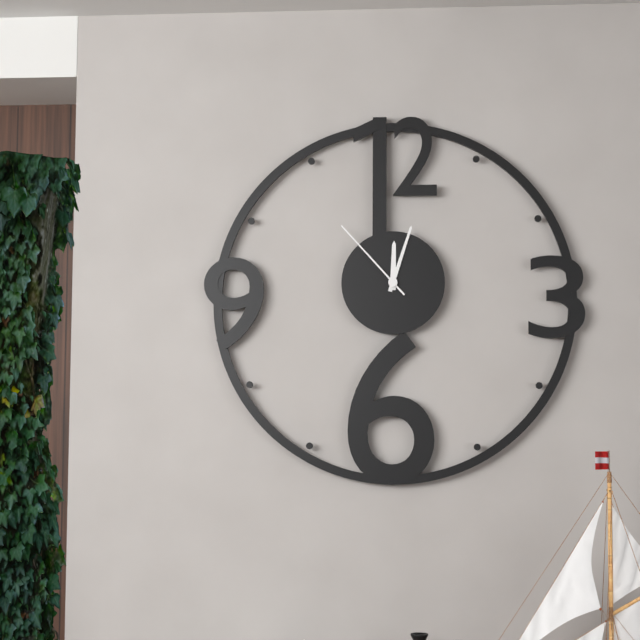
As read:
12.03.53
